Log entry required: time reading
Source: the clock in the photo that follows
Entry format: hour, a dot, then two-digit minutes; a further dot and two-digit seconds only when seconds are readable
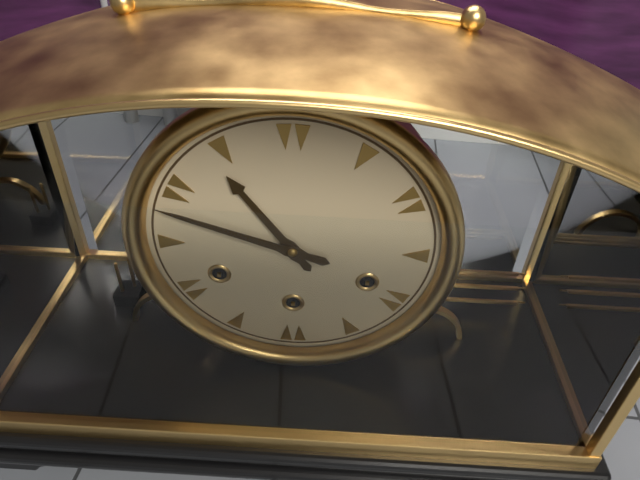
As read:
10.48
